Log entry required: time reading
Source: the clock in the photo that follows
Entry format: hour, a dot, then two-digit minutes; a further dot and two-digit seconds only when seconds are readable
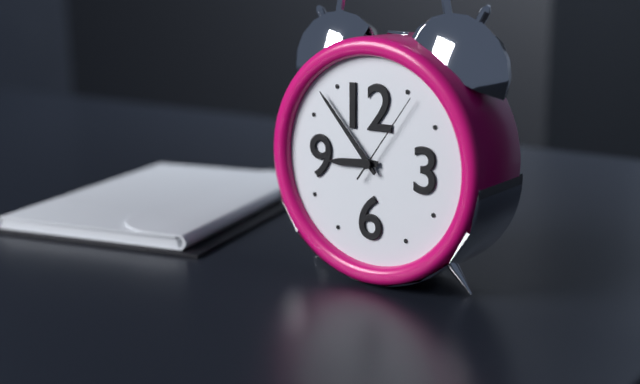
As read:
8.53.06
